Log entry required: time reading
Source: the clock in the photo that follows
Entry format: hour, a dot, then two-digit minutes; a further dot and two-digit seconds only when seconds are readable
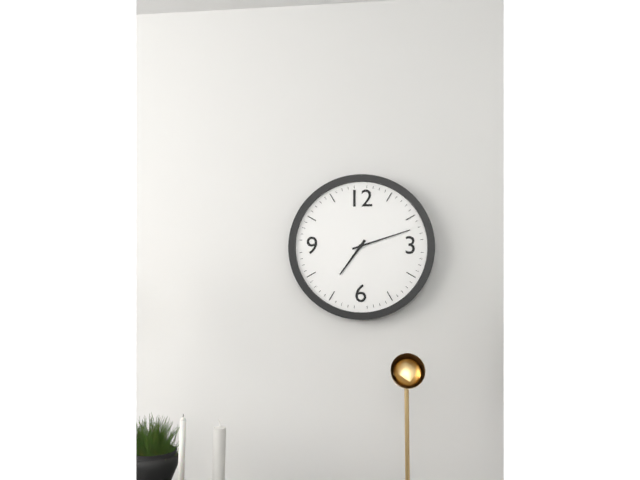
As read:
7.12
